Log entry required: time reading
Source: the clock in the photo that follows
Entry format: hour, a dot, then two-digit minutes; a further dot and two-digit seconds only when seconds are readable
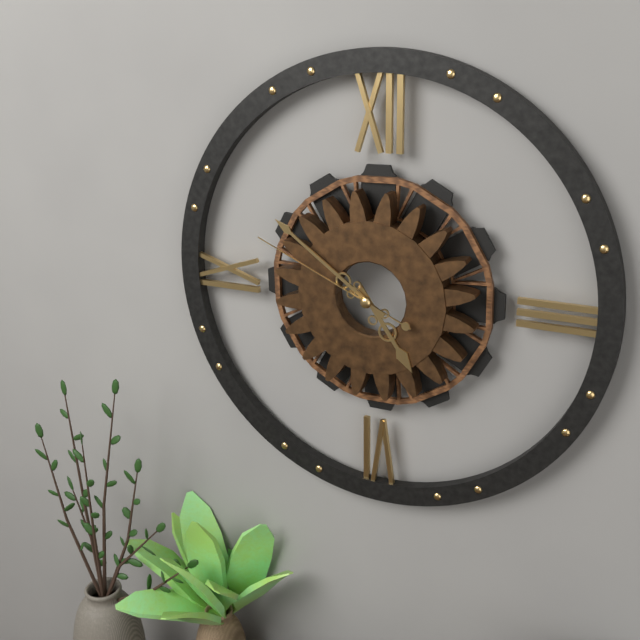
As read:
4.51.49
